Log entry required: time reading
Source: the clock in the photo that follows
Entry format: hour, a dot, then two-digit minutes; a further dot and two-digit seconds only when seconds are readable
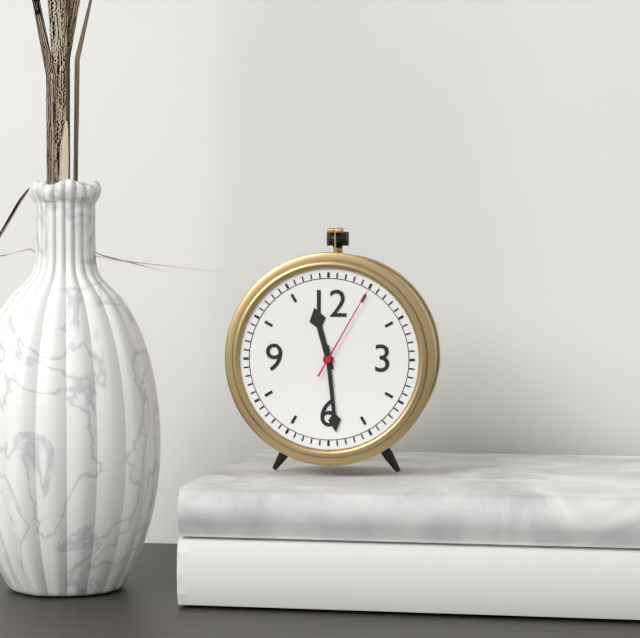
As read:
11.29.05
